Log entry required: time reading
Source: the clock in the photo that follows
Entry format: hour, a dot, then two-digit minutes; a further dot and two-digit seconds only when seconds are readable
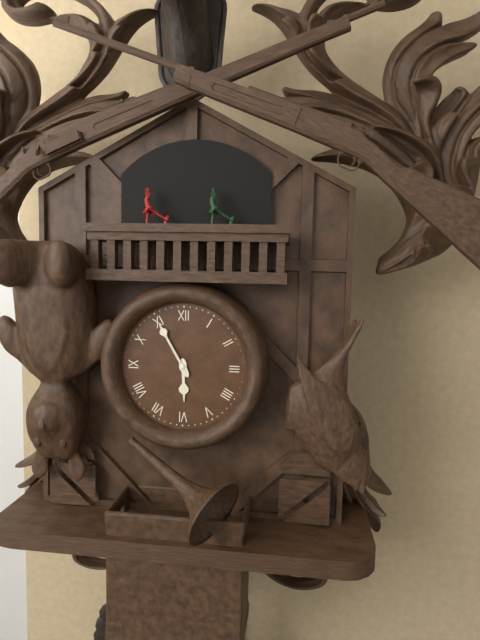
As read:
5.55
